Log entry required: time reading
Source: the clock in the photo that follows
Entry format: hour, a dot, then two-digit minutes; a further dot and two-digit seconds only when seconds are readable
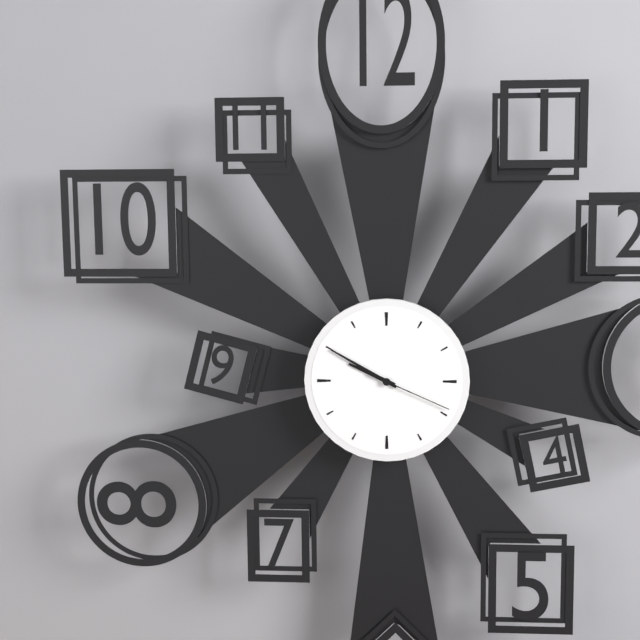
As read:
9.50.19
